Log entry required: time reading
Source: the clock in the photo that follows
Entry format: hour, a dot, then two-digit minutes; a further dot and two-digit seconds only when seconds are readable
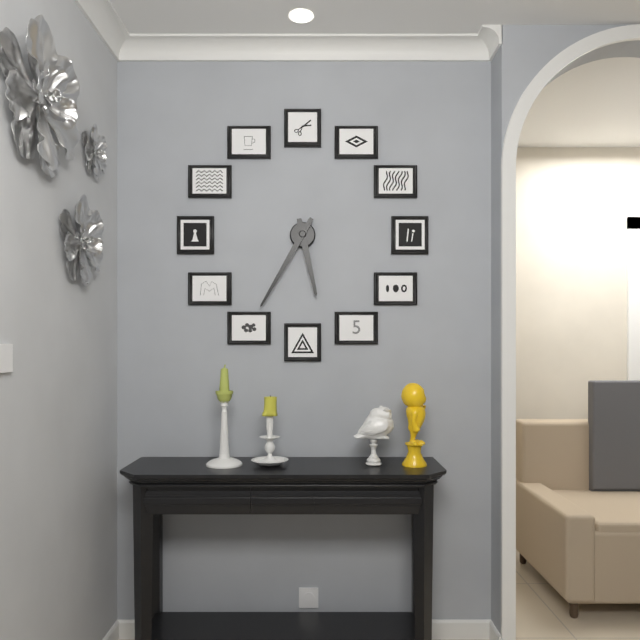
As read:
5.35
